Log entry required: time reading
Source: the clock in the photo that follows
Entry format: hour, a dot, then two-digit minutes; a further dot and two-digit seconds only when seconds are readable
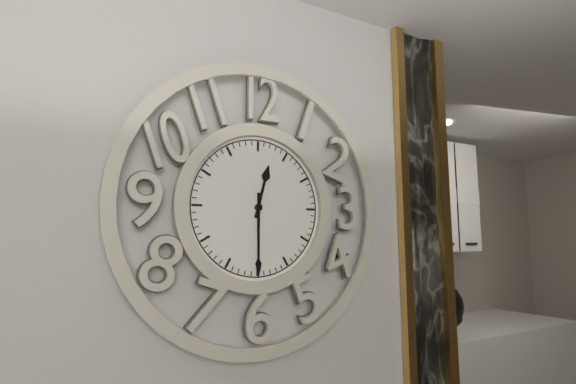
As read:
12.30
